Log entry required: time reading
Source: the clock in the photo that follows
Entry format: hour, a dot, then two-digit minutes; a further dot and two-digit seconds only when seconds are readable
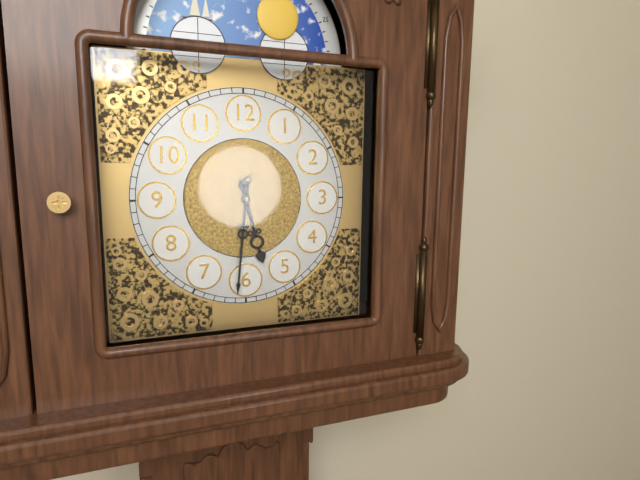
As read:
5.31
